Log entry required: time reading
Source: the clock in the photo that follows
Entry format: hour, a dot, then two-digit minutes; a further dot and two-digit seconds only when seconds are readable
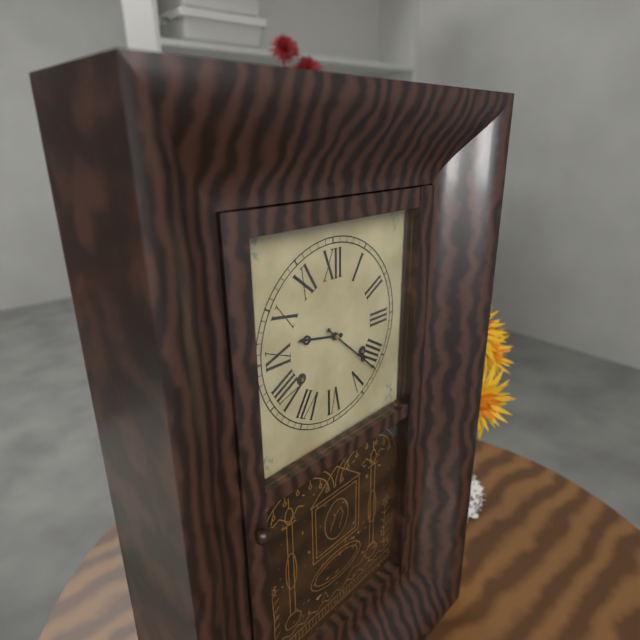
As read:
9.22
